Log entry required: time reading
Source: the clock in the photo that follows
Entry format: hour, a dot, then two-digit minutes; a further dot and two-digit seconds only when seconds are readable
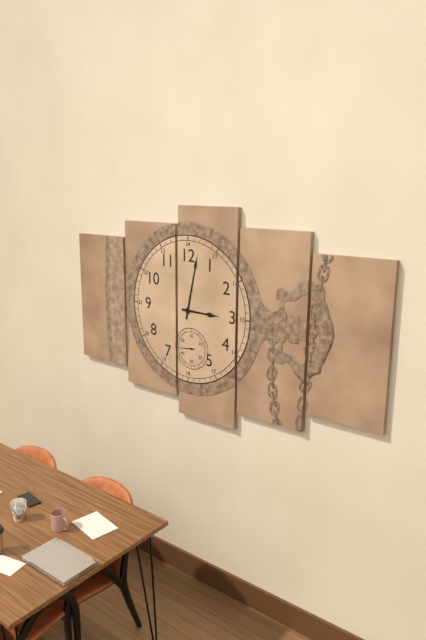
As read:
3.02
